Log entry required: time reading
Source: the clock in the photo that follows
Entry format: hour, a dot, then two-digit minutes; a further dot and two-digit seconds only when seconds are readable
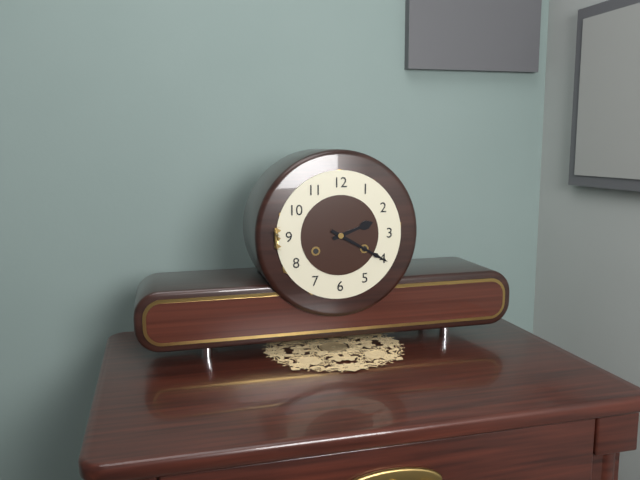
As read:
2.20
